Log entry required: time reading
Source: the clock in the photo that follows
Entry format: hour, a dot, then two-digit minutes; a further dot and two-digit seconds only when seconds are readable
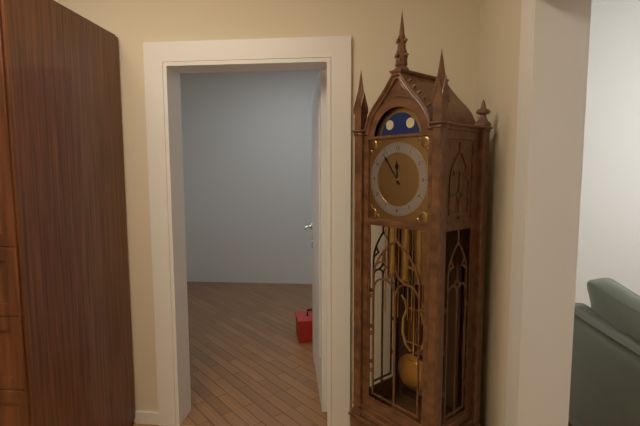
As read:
11.54
